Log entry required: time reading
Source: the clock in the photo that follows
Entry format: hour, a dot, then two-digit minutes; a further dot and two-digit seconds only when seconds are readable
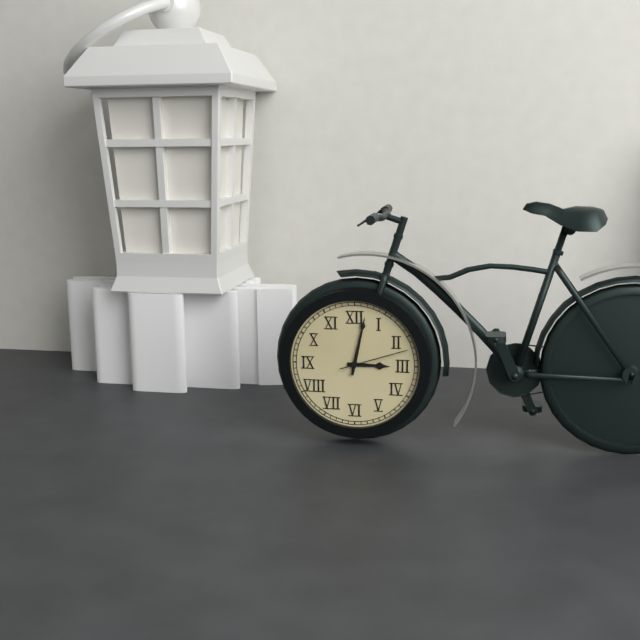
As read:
3.02.12
